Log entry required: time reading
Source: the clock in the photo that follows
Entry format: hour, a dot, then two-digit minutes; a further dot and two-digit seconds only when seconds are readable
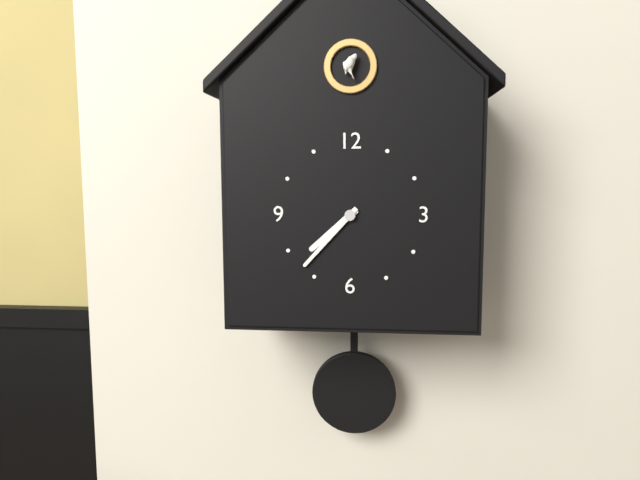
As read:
7.37
